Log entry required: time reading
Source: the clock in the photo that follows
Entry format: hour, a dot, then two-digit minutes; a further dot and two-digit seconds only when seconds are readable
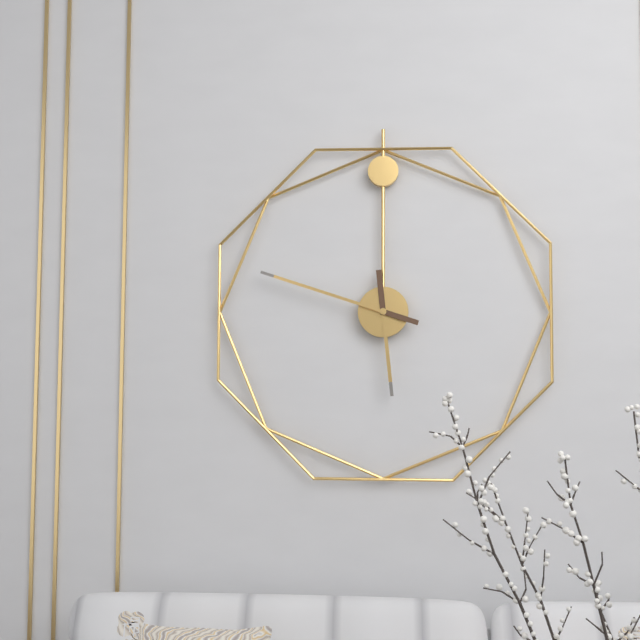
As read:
5.48
